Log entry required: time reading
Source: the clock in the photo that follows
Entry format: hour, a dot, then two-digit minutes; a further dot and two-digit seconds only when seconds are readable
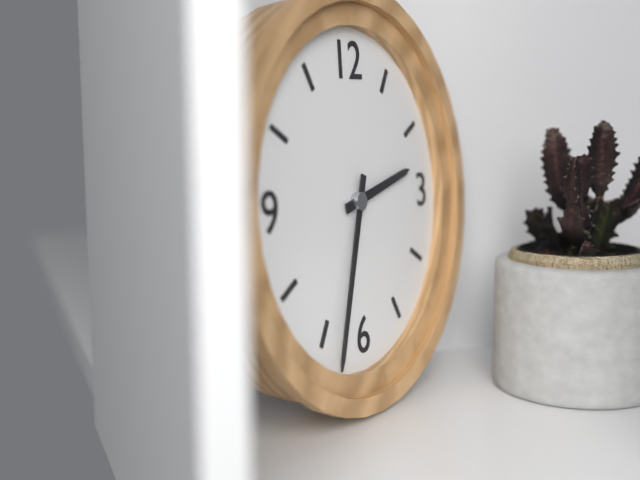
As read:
2.33
